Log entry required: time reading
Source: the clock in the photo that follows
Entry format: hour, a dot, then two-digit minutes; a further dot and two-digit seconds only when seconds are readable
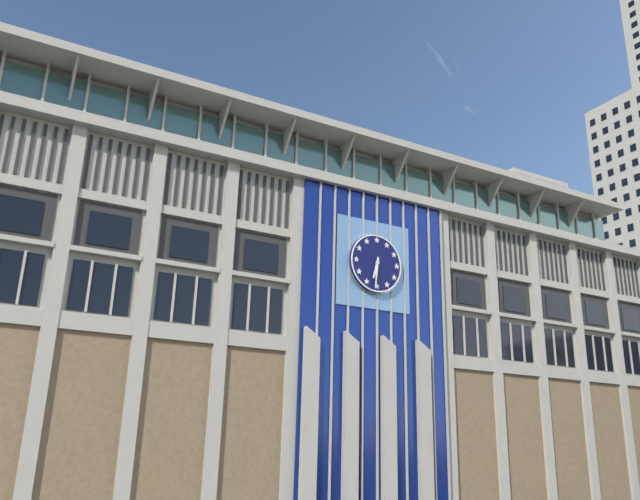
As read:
6.31
